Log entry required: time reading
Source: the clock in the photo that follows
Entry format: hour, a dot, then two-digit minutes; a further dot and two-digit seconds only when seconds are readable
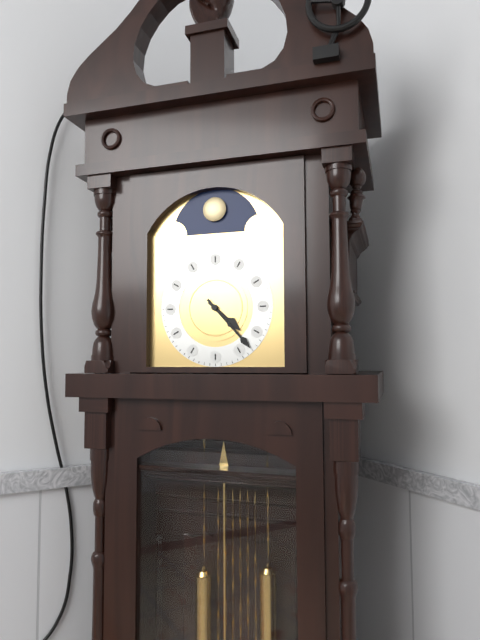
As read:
4.23
